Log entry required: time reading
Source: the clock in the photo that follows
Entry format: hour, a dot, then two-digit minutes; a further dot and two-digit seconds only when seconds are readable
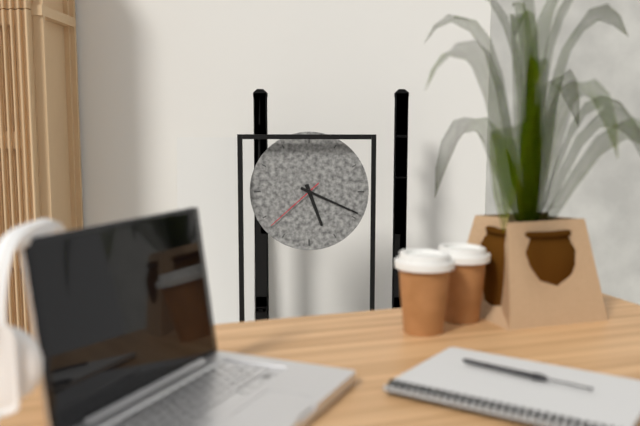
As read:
5.19.38
